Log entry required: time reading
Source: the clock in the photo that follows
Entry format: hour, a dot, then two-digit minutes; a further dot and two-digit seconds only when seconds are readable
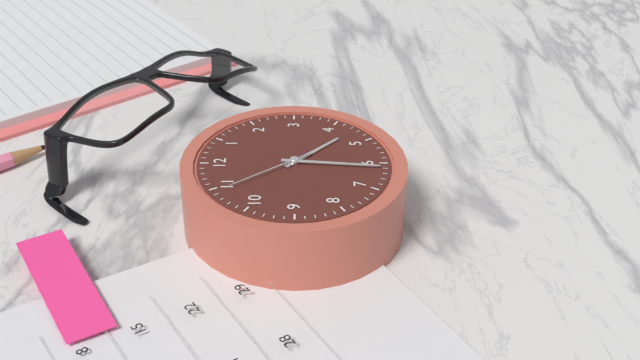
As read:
4.31.54
